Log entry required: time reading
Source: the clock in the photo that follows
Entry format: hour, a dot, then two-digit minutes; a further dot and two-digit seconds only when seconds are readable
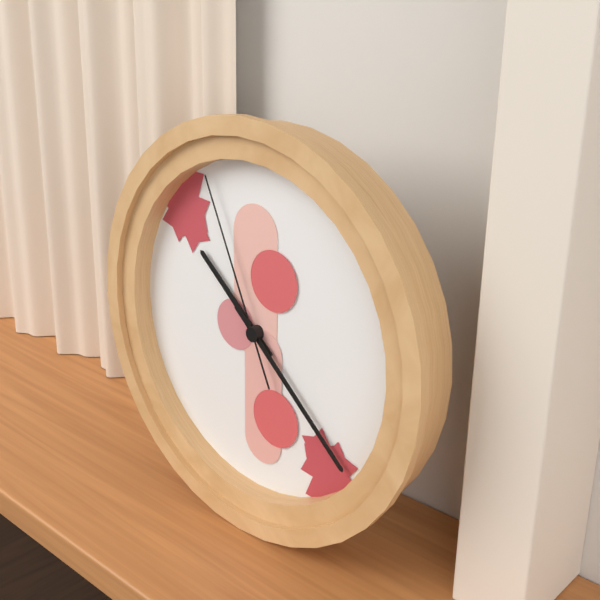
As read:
10.22.56
